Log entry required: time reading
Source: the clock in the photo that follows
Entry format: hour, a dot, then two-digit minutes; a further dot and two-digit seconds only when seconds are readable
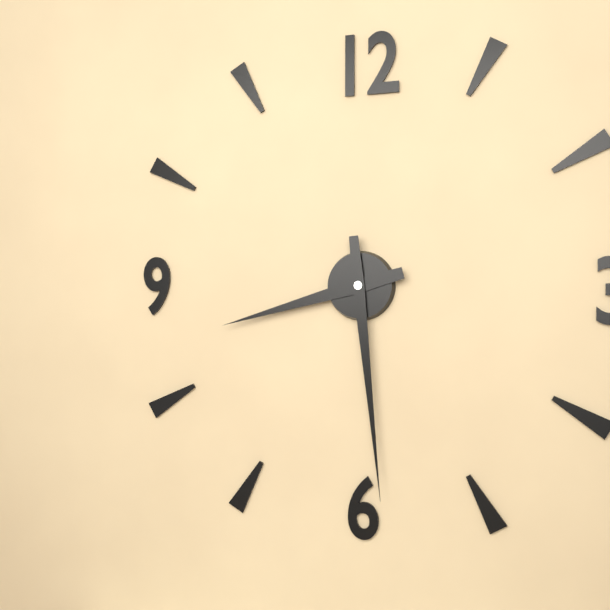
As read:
8.29
